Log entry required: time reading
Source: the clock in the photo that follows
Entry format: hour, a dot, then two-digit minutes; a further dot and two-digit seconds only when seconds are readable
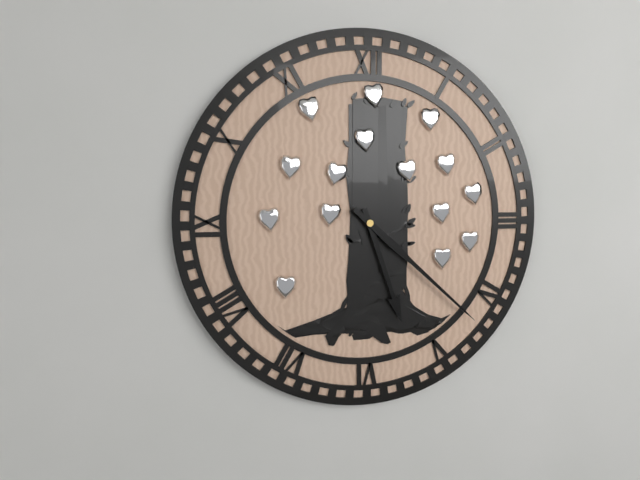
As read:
5.22
